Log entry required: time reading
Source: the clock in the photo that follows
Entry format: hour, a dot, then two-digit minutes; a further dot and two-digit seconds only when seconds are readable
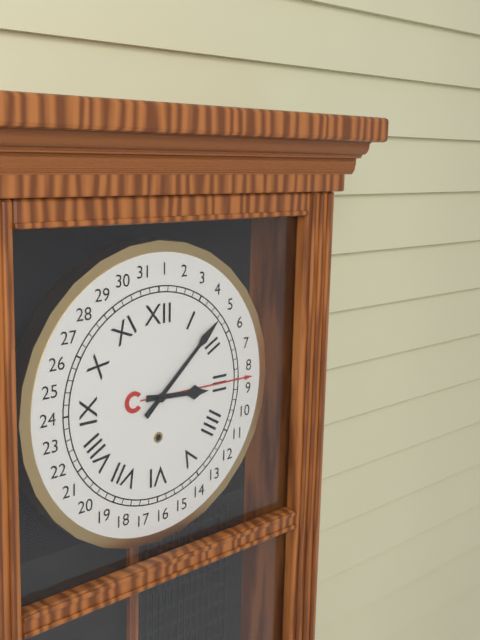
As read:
3.08
